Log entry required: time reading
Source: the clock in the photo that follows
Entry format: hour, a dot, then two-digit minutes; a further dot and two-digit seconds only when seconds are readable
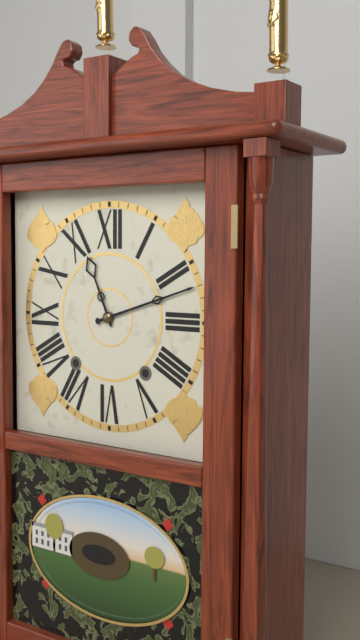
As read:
11.12
